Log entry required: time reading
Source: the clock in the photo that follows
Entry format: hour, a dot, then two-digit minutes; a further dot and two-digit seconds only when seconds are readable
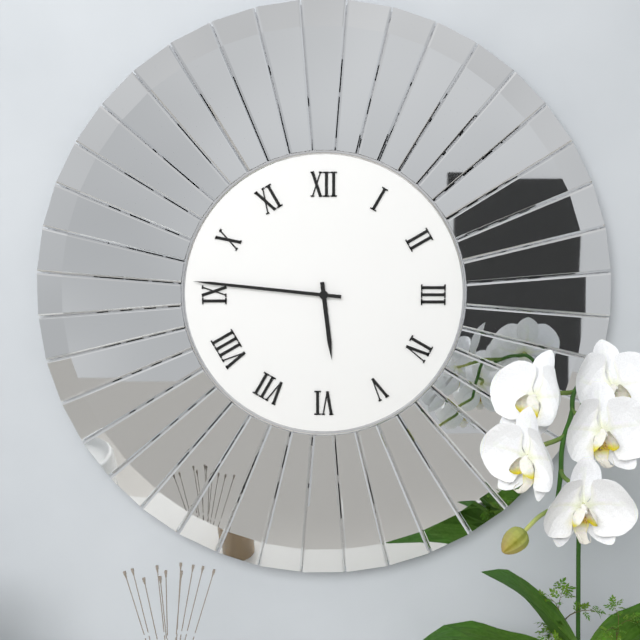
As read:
5.46
